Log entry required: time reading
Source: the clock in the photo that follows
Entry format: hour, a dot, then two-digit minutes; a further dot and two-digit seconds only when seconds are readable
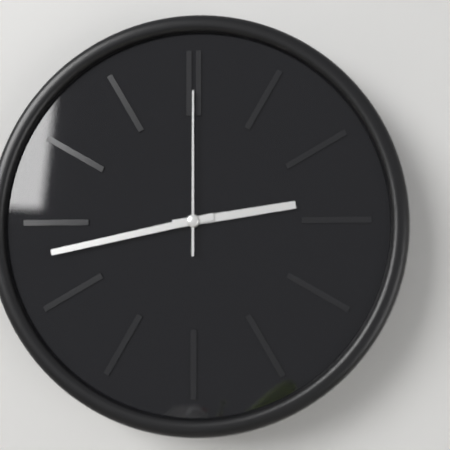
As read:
2.43.00
